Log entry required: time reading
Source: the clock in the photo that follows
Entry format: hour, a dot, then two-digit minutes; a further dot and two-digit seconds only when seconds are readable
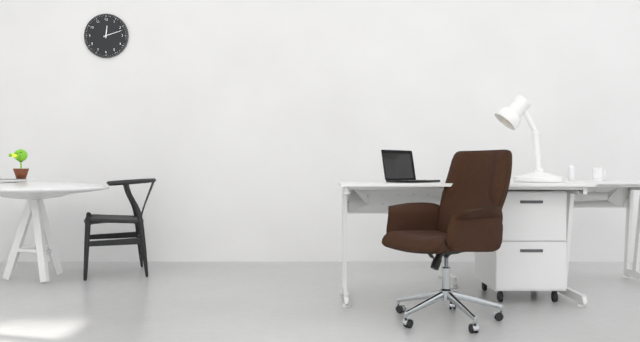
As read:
12.12
